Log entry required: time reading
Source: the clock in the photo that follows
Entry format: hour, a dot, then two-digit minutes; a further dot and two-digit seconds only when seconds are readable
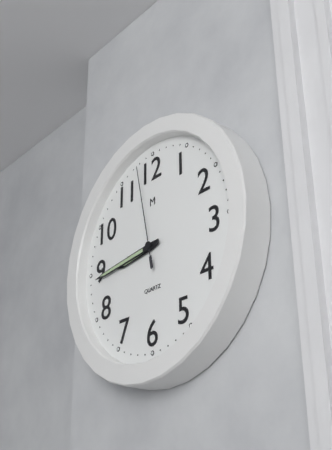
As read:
8.44.58
